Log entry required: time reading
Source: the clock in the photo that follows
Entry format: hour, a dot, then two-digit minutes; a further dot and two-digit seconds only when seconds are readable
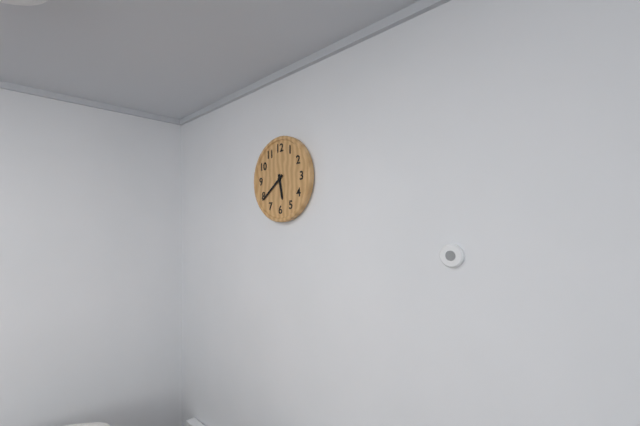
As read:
5.39
